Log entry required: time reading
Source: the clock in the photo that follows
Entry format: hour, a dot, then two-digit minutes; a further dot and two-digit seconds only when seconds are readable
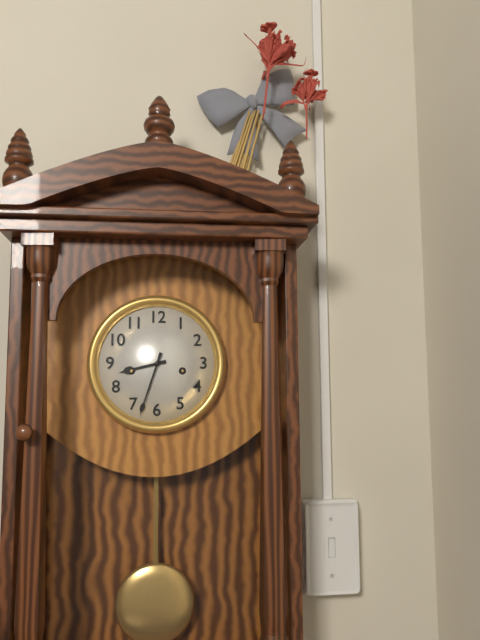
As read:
8.33
